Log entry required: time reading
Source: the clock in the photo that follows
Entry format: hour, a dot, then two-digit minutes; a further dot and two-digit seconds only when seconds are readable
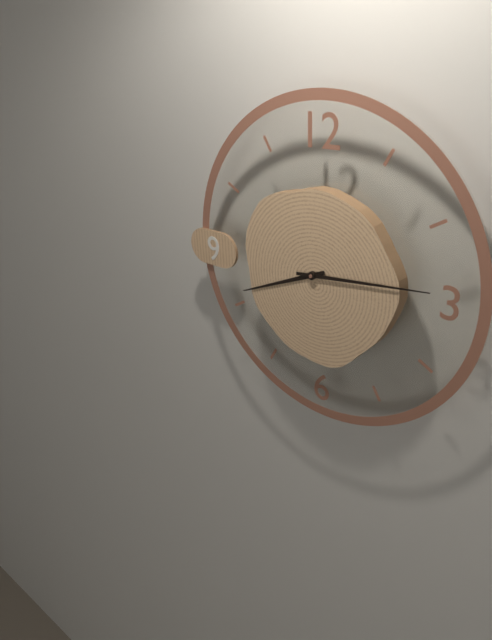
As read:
8.14
